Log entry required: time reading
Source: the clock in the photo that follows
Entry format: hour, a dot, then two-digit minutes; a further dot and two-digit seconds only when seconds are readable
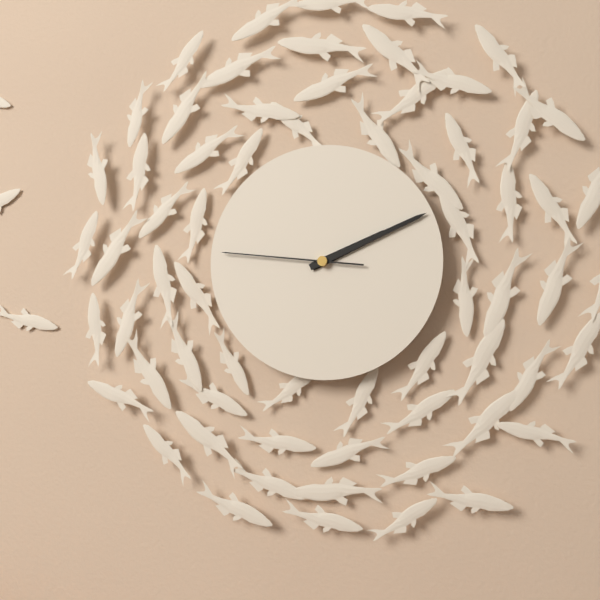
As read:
2.11.46
